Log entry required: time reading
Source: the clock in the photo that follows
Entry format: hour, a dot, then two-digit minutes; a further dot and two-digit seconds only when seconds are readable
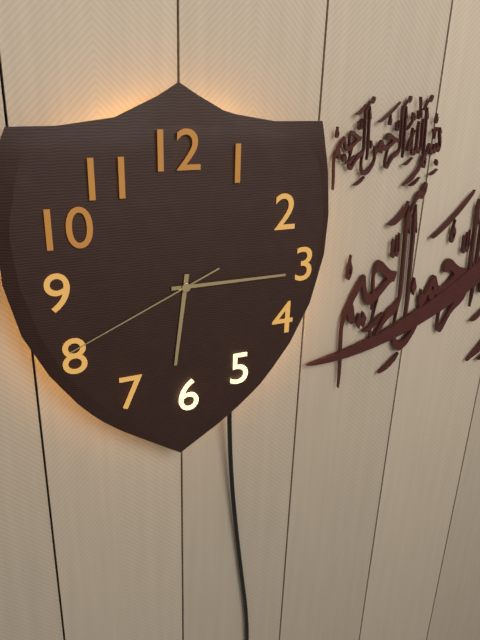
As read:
6.15.41
